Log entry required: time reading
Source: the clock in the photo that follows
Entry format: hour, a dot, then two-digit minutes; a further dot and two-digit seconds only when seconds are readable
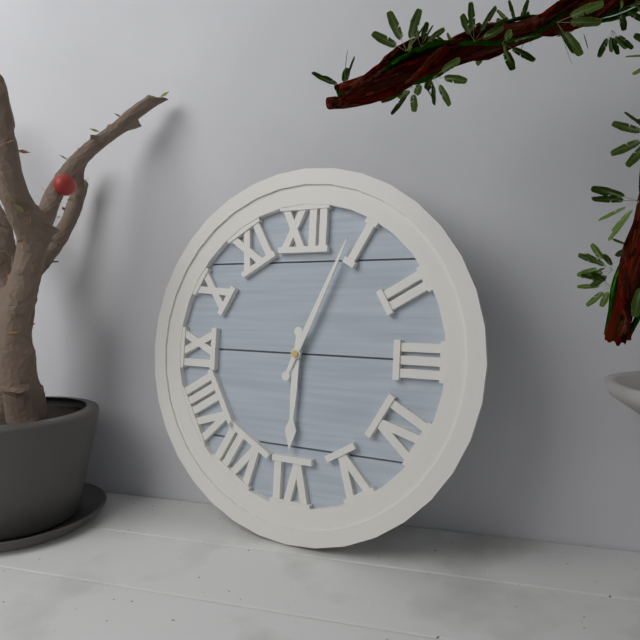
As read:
6.04
